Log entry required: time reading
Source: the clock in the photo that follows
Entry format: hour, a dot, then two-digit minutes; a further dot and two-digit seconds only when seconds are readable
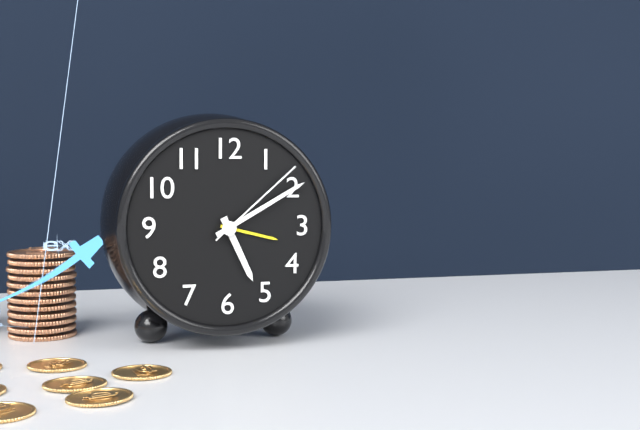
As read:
5.10.08
